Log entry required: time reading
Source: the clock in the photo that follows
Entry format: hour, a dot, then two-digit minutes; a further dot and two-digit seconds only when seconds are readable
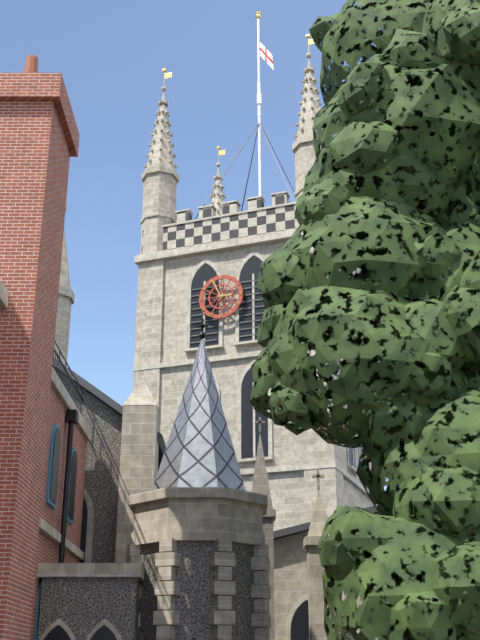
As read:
2.56
